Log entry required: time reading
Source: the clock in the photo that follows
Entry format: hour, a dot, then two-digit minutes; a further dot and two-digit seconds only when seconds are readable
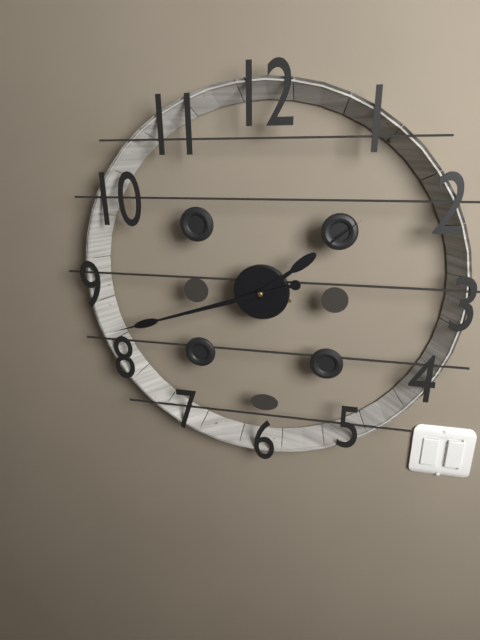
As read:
1.42
